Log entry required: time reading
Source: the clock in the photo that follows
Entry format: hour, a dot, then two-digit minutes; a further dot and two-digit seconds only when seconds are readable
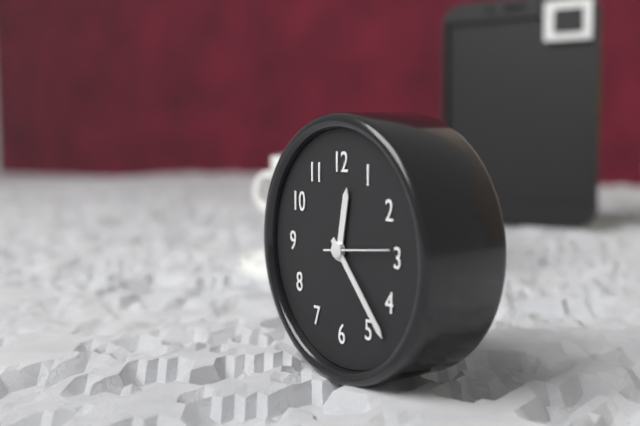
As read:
12.23
